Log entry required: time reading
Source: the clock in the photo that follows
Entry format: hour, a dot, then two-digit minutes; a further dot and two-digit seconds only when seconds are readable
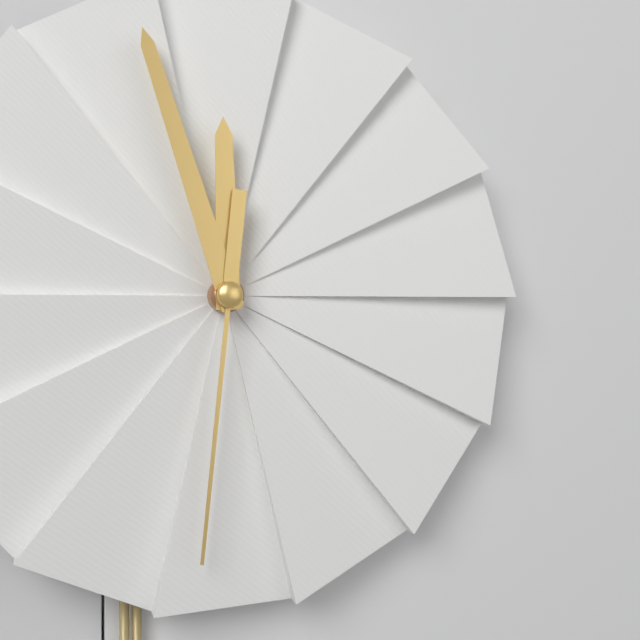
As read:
11.57.31
